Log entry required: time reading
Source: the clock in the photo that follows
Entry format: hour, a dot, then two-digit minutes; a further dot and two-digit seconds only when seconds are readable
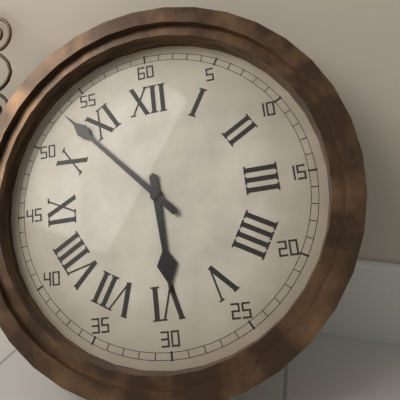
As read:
5.53
